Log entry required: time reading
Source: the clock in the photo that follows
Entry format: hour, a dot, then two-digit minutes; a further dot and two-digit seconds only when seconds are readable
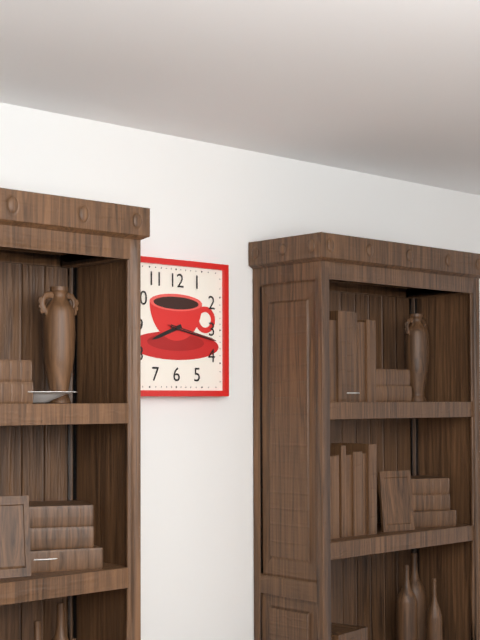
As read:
8.17
